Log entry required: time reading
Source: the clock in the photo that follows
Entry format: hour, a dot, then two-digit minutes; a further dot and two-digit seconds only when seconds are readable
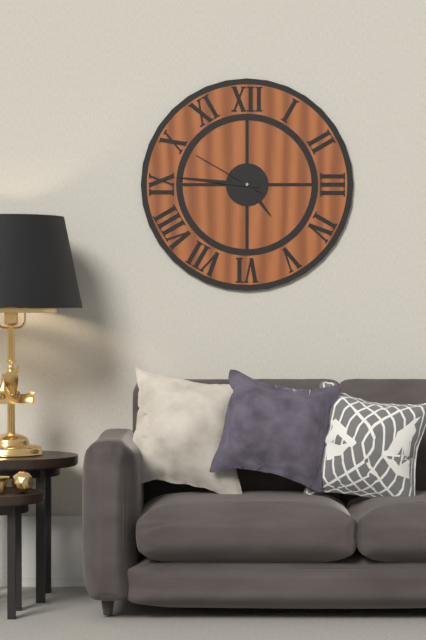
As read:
4.46.50
